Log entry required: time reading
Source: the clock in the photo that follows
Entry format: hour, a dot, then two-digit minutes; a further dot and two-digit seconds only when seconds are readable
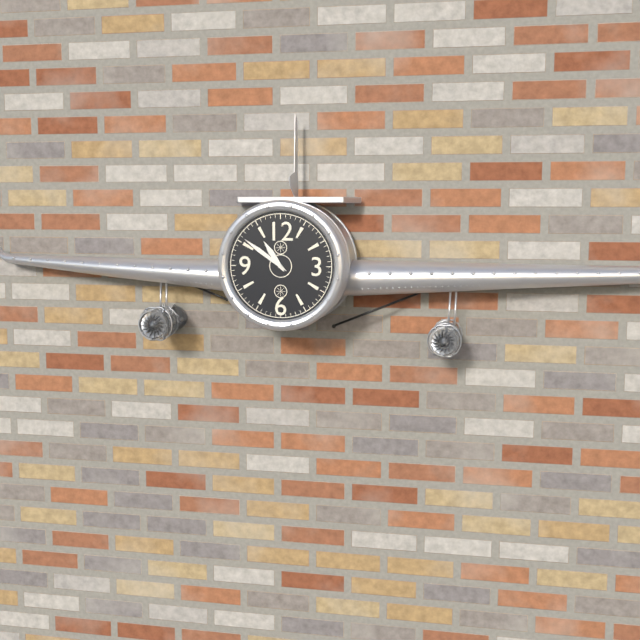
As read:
10.51
